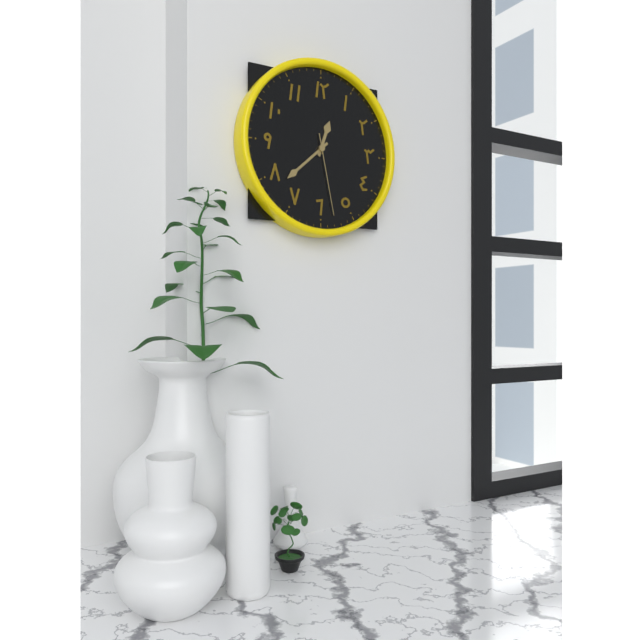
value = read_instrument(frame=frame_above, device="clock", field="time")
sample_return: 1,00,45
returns 12,38,28
